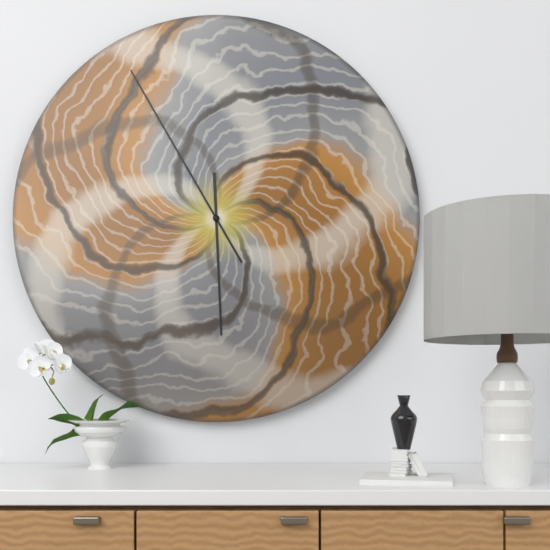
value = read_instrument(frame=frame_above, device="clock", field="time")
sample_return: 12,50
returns 5,55
